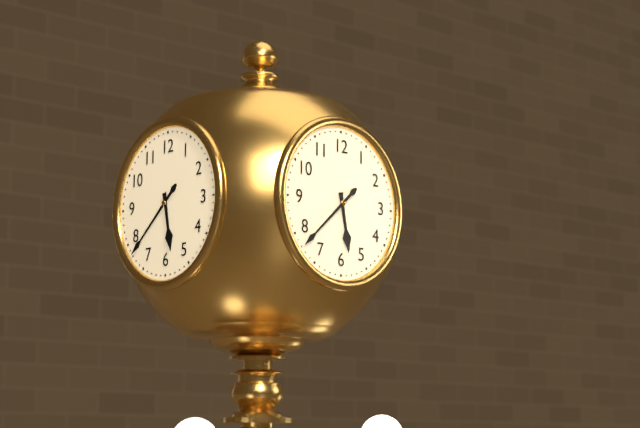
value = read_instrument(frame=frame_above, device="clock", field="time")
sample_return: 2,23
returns 5,38
